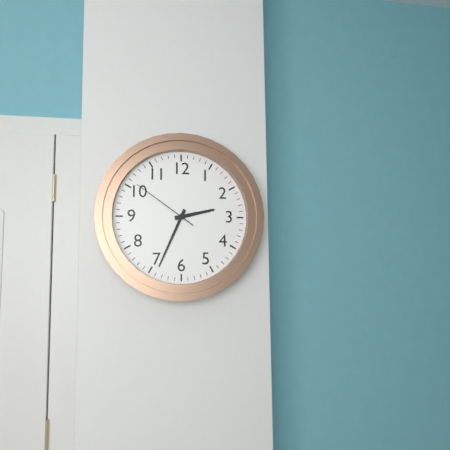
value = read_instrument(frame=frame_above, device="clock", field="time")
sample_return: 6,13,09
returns 2,34,51
